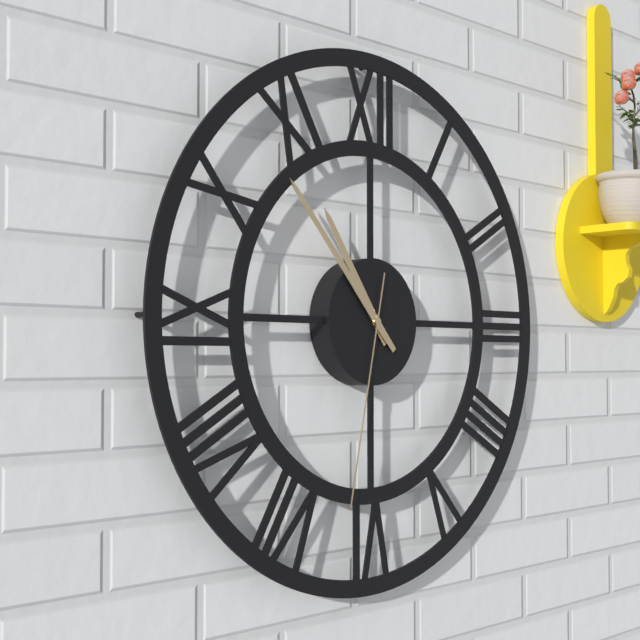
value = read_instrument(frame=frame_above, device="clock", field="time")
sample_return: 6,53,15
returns 10,53,32
